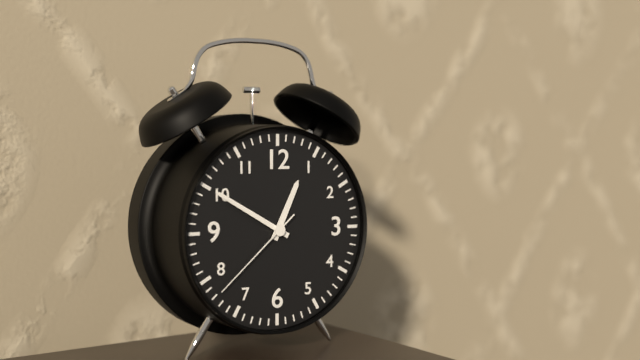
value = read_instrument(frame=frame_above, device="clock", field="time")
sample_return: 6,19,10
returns 12,50,38
